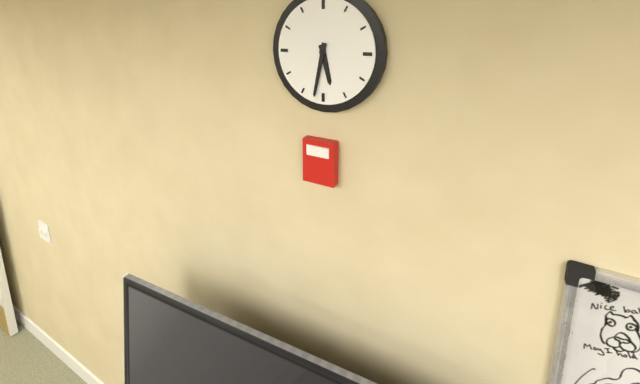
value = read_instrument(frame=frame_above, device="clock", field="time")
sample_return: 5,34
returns 5,32
